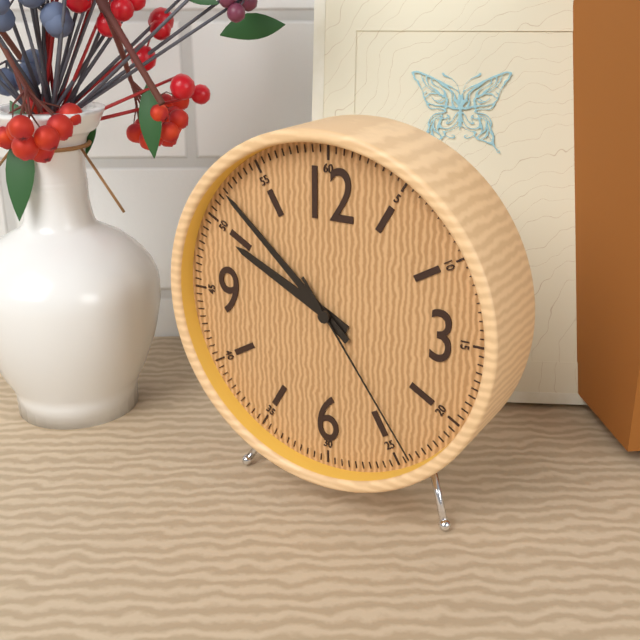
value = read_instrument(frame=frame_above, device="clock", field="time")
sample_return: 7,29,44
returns 9,52,24
